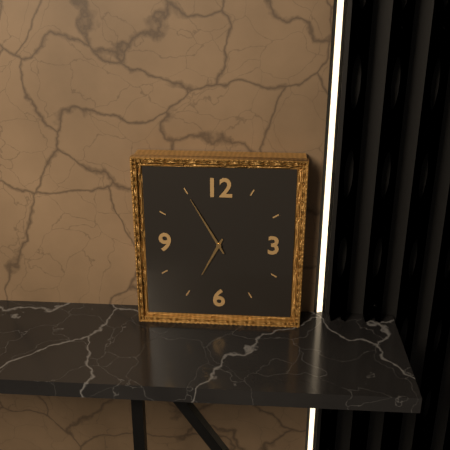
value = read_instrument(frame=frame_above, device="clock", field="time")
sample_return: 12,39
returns 6,55
